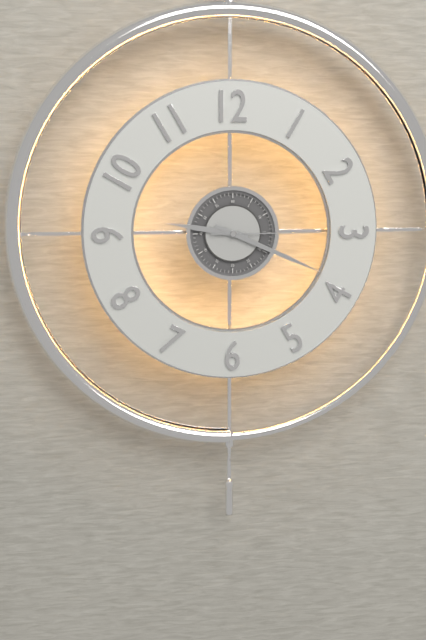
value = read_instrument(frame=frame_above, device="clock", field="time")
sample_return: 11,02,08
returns 9,19,15
